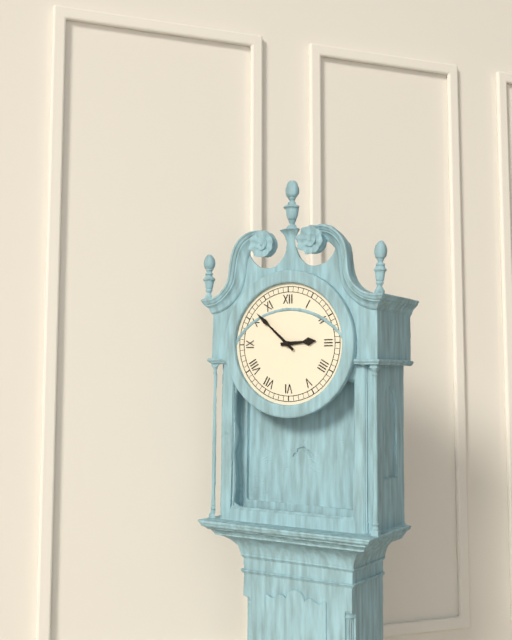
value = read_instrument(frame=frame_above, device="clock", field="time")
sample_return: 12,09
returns 2,52
